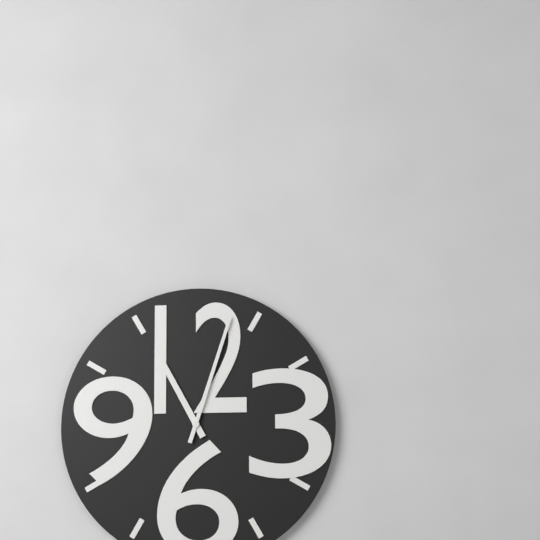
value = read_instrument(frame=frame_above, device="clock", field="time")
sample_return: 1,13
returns 11,03
